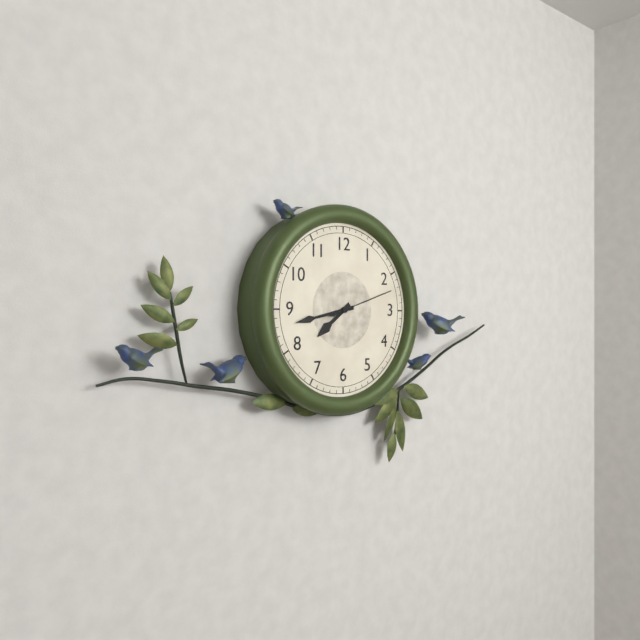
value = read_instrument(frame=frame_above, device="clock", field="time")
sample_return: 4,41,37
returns 7,43,12
